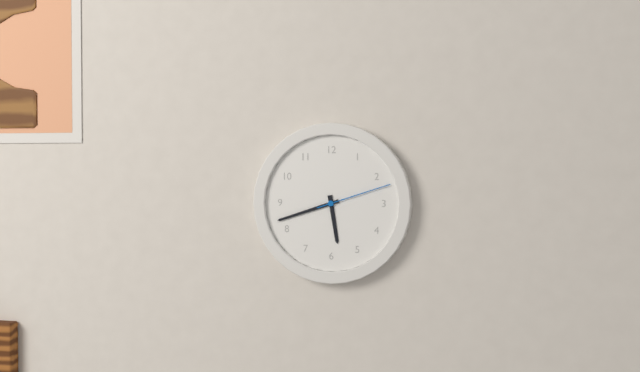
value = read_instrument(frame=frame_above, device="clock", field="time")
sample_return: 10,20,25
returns 5,42,12
